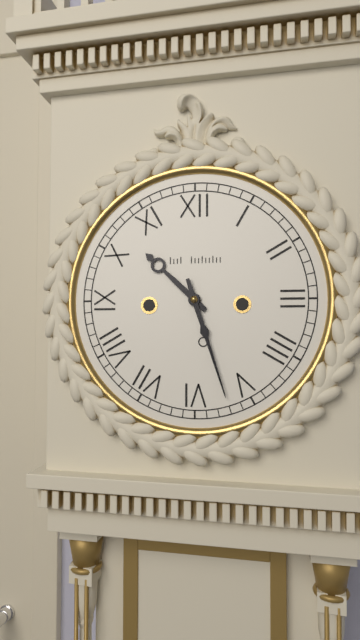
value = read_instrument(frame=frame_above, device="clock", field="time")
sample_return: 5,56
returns 10,27
